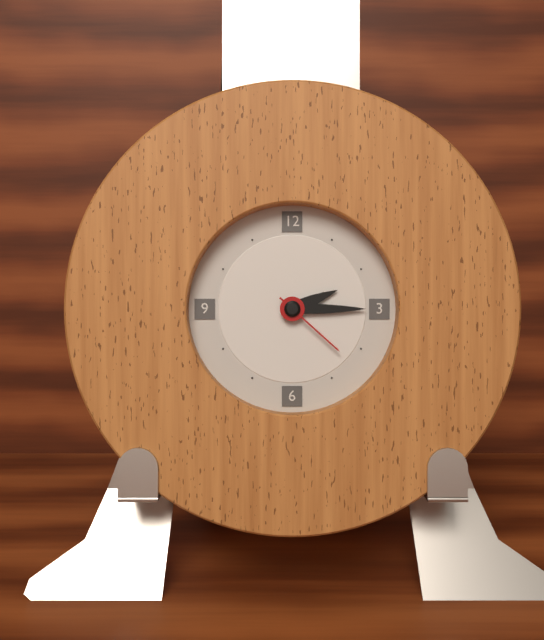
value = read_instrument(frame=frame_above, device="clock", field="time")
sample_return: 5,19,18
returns 2,15,22
